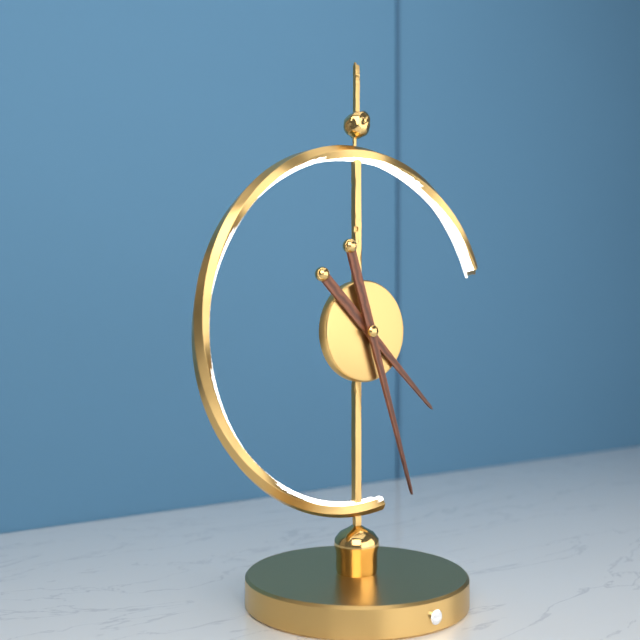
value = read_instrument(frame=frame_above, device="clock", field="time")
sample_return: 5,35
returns 4,27
